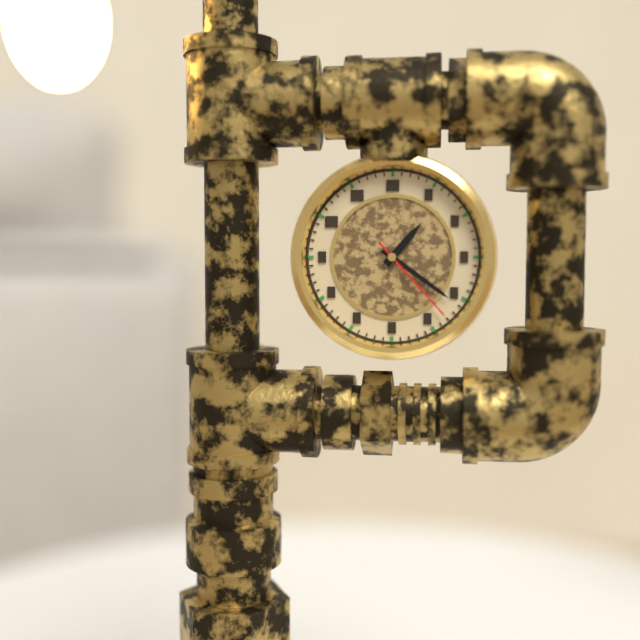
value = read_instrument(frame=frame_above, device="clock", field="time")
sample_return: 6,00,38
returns 1,21,23
